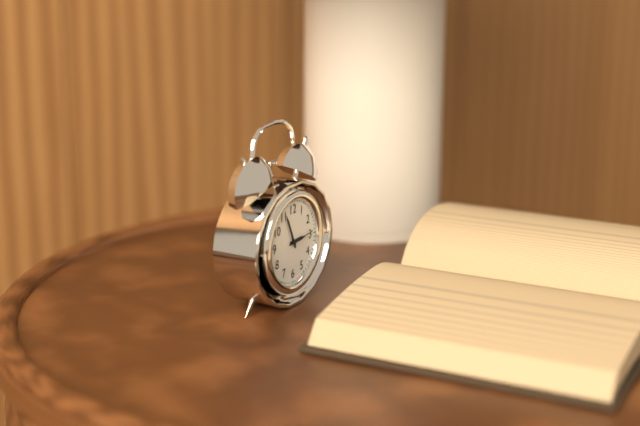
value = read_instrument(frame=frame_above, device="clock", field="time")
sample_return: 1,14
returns 2,56
